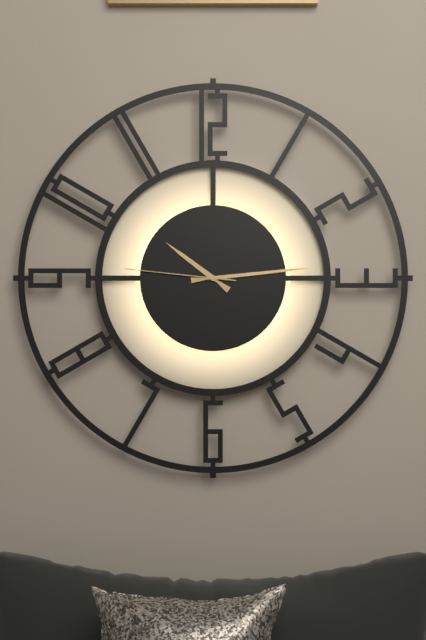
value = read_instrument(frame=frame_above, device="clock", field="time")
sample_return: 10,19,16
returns 10,14,46
